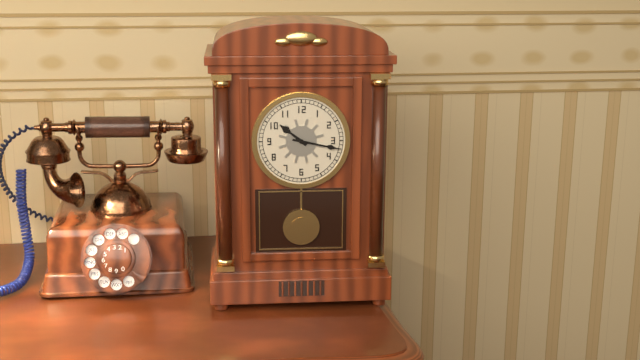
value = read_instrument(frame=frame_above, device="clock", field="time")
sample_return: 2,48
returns 10,17
